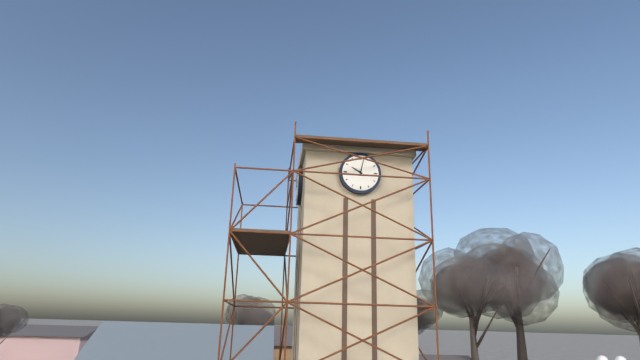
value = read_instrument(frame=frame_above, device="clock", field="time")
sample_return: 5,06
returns 10,02
